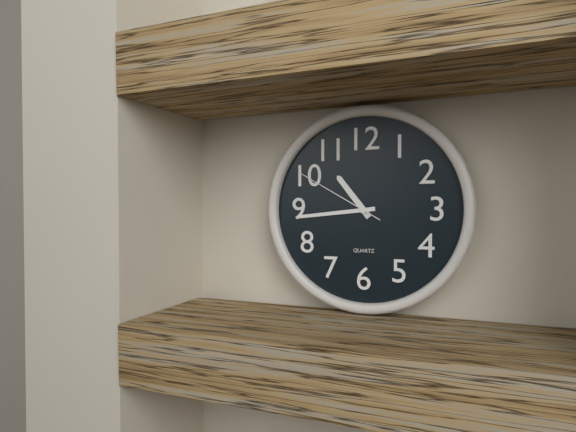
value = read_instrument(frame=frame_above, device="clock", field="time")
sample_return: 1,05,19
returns 10,44,50
